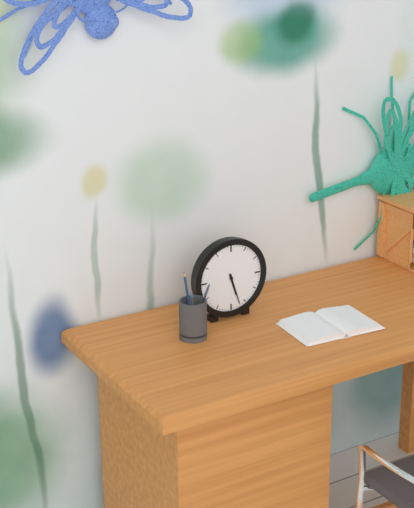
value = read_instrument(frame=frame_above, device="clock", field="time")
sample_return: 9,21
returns 5,27
